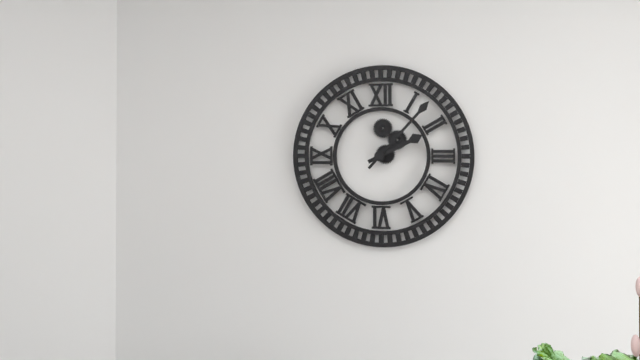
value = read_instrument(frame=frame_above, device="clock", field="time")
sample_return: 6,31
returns 2,07
